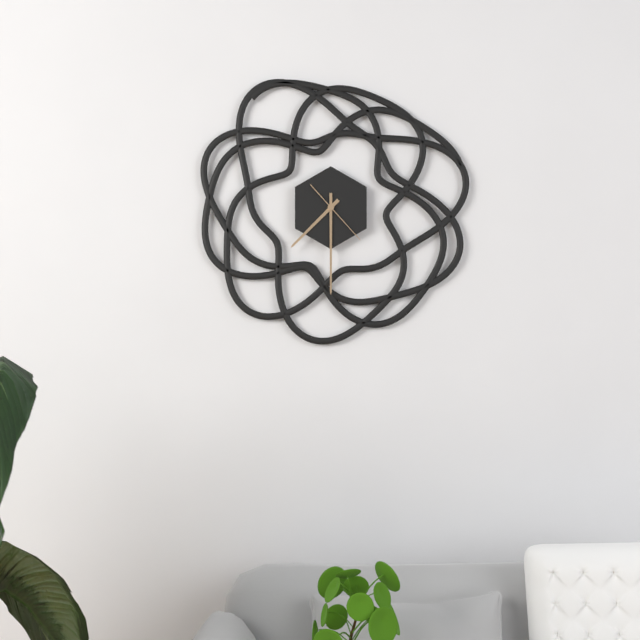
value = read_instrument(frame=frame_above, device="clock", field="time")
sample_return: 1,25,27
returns 7,30,23
